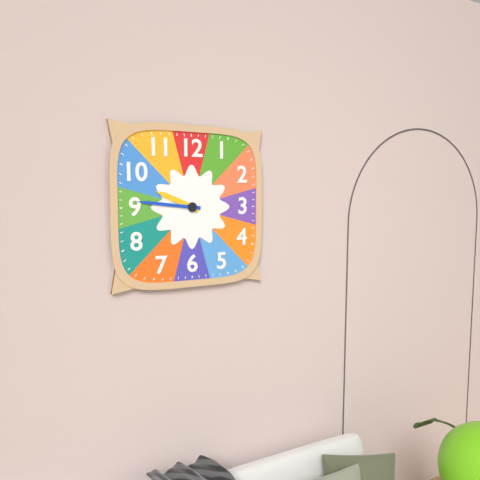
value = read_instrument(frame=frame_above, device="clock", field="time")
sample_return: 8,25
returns 9,46
